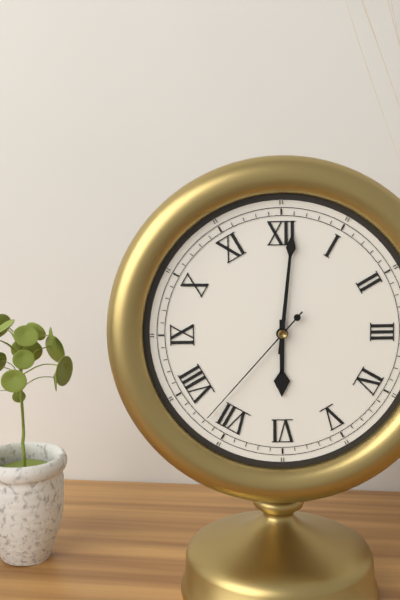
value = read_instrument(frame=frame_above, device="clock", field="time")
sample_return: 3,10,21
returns 6,01,37
